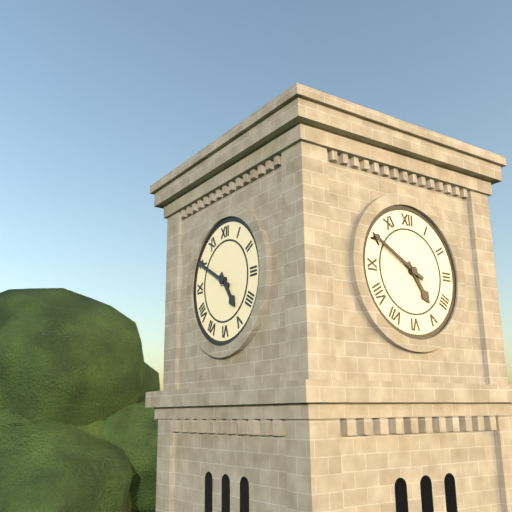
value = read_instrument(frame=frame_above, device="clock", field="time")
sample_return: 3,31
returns 4,50
